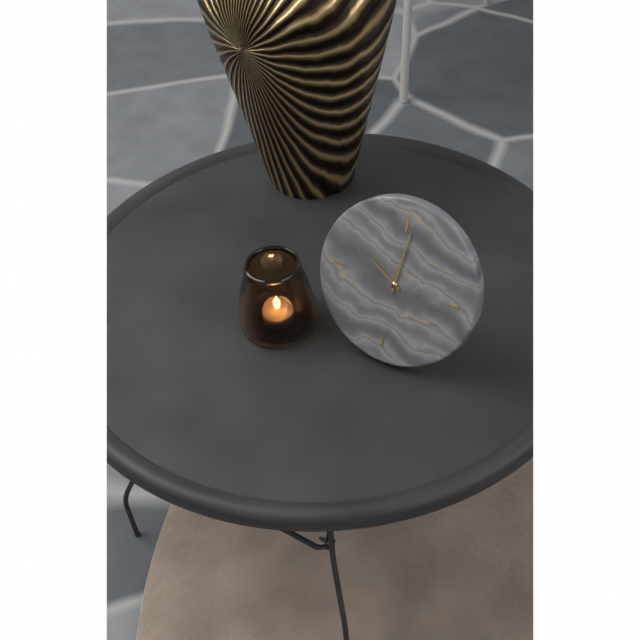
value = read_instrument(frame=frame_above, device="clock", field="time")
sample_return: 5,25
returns 10,01
